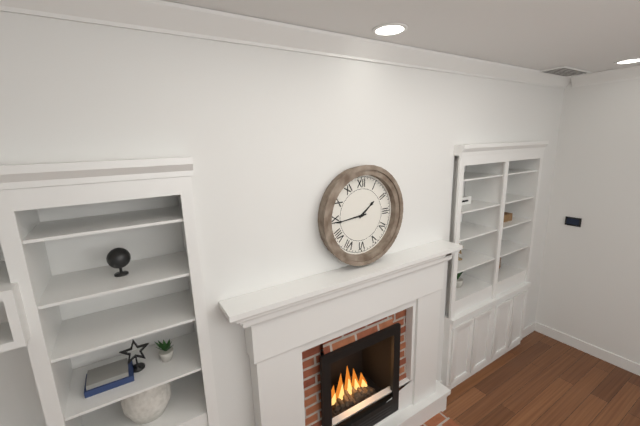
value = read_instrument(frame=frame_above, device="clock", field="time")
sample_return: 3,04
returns 1,44
